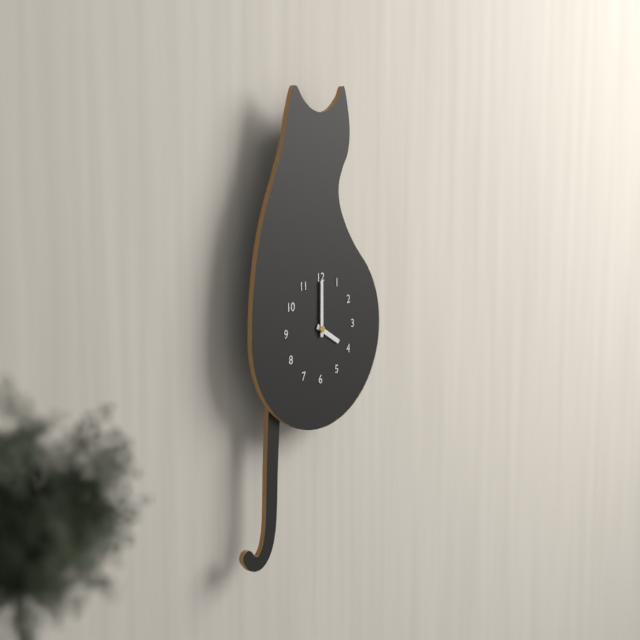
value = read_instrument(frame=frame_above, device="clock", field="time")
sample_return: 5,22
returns 4,00
